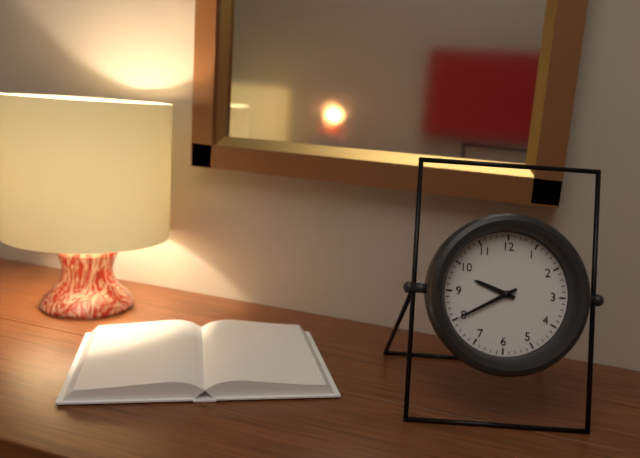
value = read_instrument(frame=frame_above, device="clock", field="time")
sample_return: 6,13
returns 9,40
